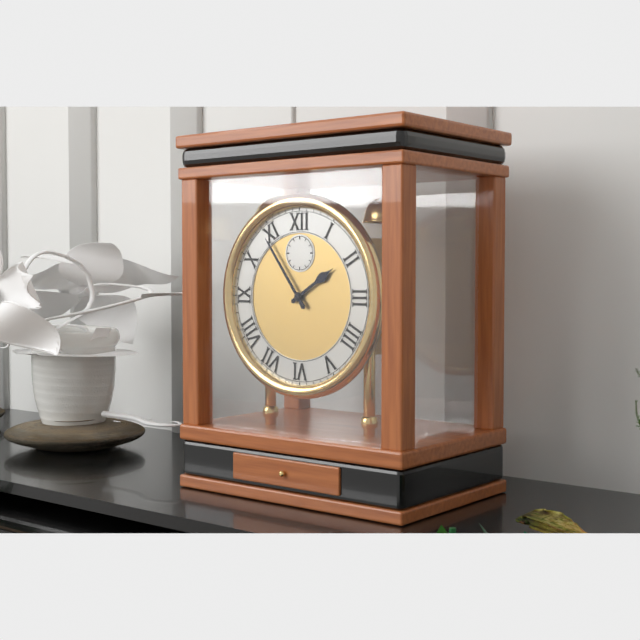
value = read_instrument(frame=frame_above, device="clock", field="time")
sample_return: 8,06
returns 1,54
